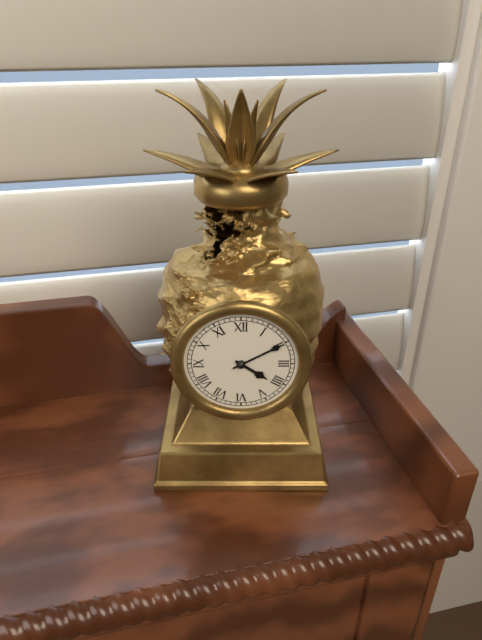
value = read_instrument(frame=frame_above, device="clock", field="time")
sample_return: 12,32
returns 4,10
